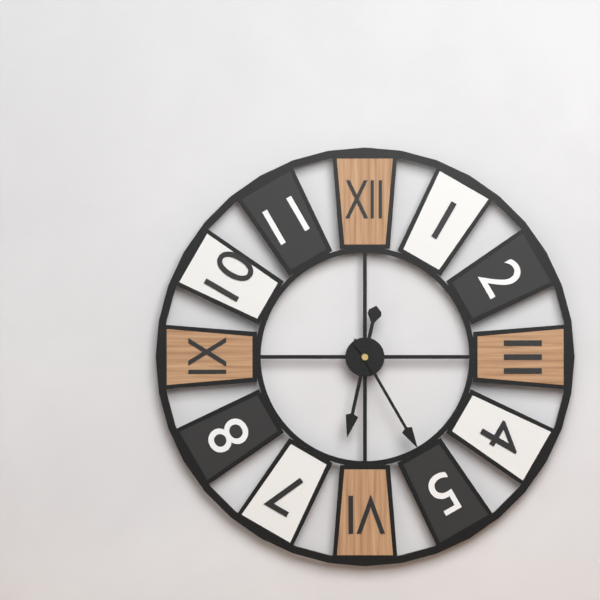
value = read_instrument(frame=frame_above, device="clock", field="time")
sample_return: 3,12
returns 6,25
